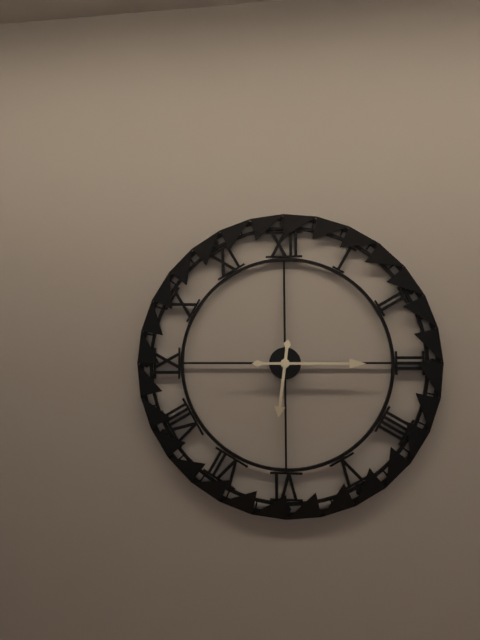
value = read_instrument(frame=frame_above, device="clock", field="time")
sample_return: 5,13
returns 6,15
